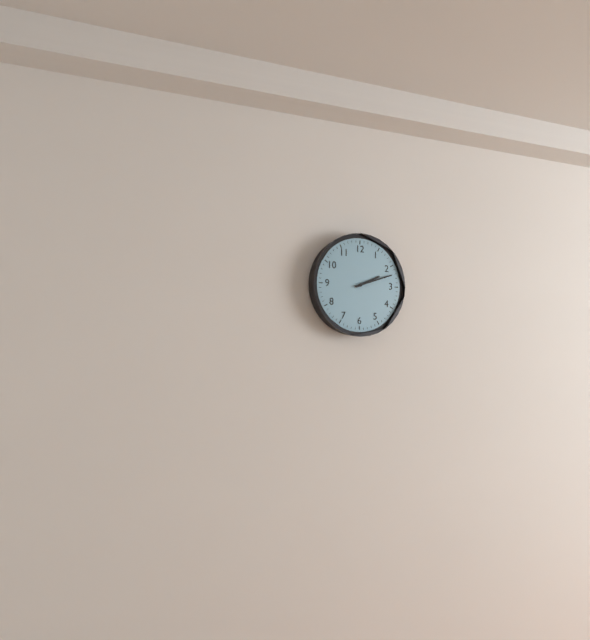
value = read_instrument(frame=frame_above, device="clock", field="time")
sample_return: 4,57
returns 2,12
